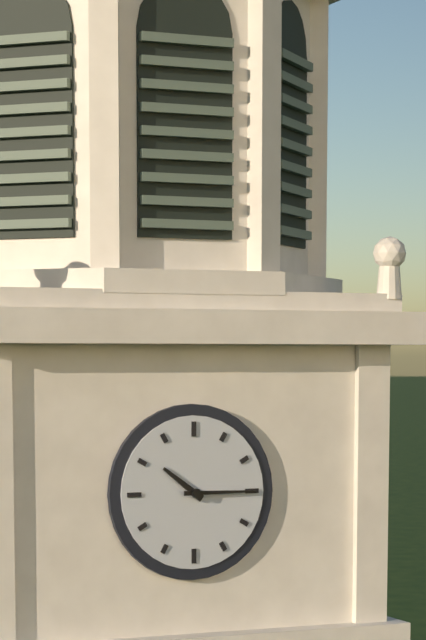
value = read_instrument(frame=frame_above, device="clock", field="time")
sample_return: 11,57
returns 10,15
